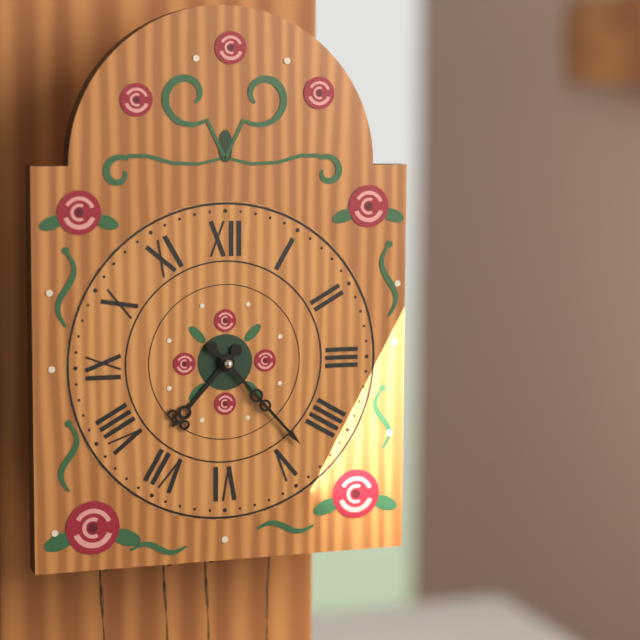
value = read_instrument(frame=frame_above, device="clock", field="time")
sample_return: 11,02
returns 7,23
